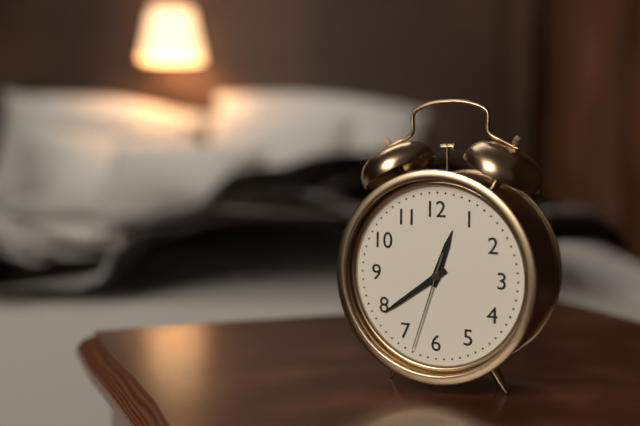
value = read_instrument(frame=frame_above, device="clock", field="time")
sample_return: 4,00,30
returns 12,39,33
